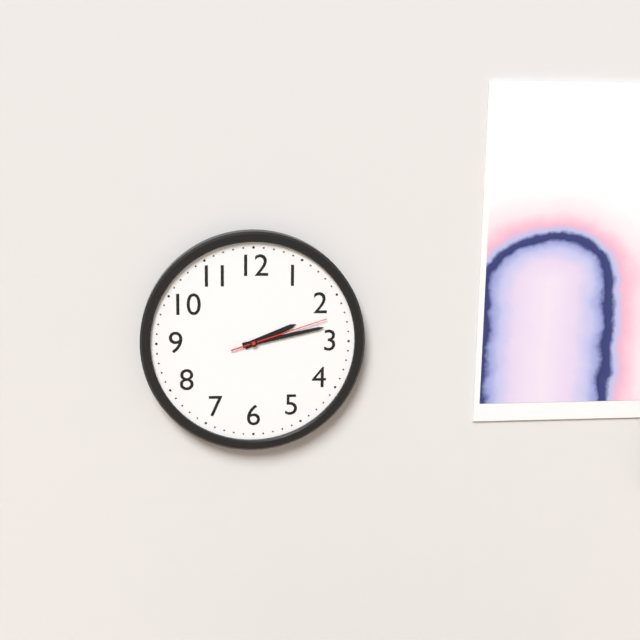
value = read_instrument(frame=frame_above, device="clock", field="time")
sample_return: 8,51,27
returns 2,13,12
